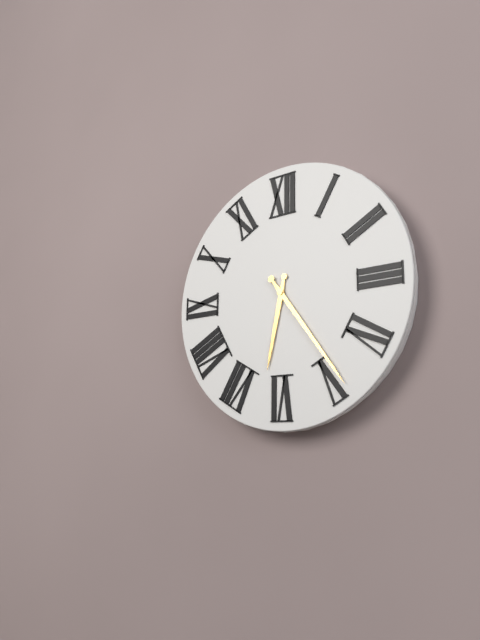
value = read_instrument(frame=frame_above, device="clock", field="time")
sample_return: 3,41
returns 6,24
